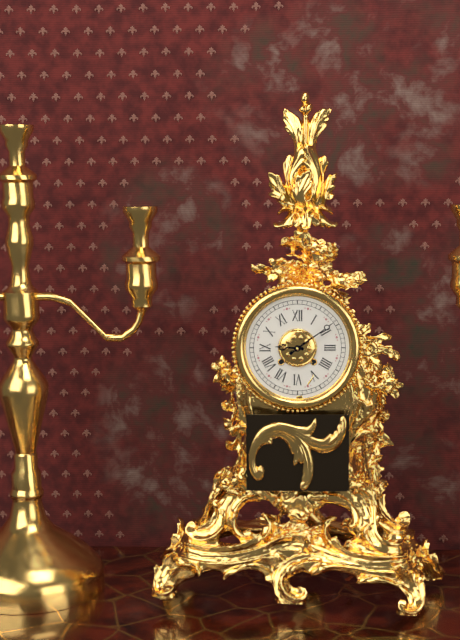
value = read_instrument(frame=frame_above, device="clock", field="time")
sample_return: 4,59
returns 9,09
